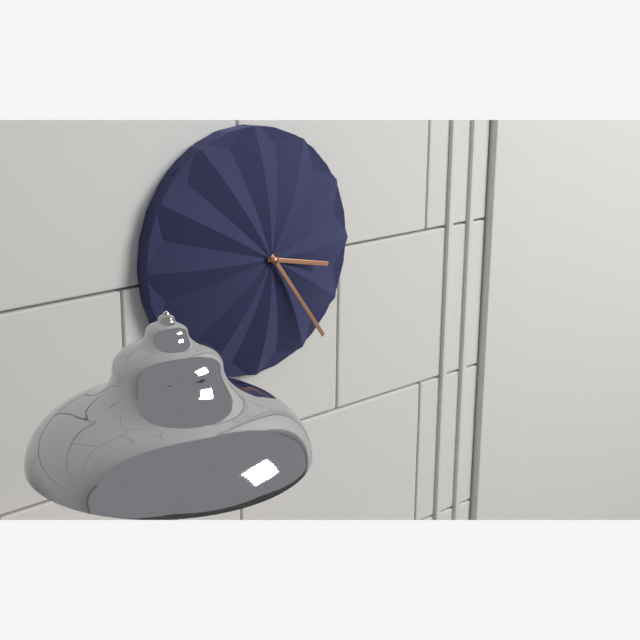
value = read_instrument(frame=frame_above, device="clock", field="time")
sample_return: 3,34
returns 3,24
